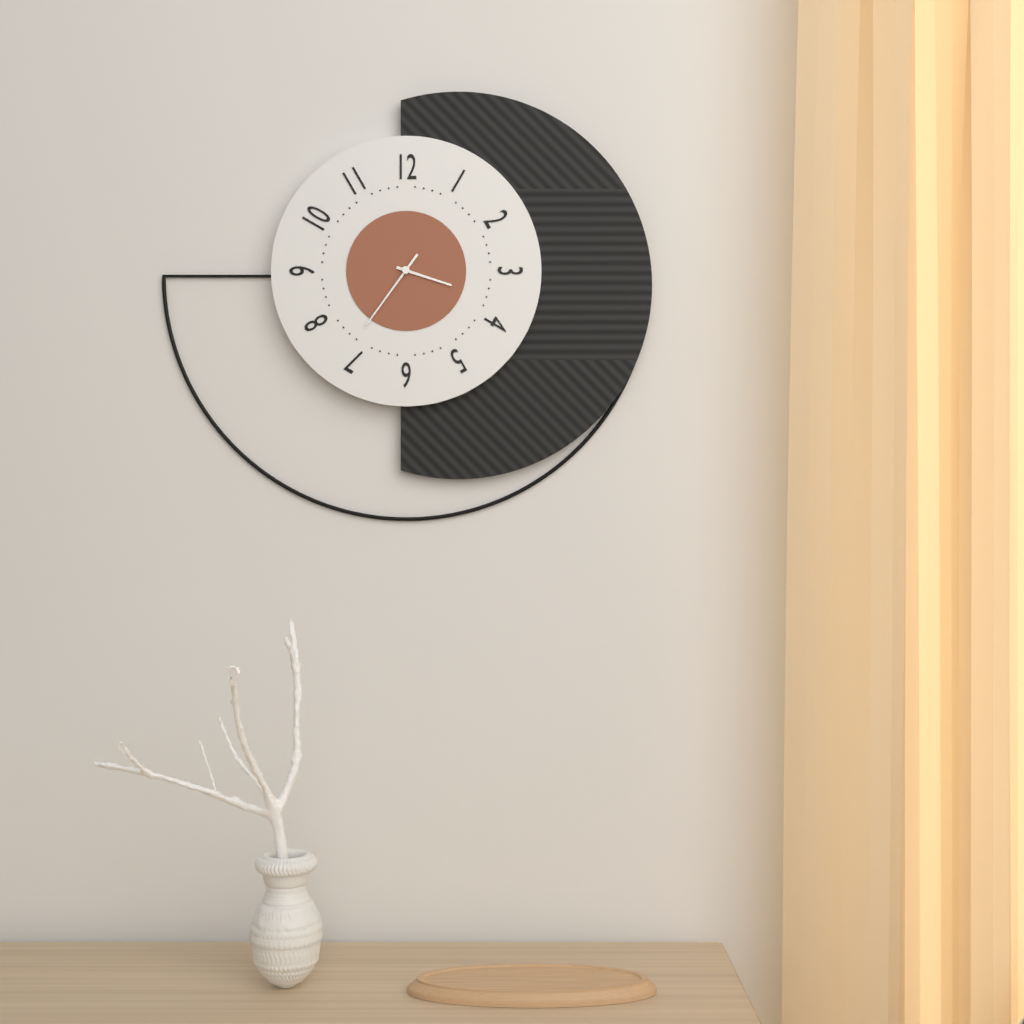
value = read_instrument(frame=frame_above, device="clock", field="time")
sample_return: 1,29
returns 3,36
